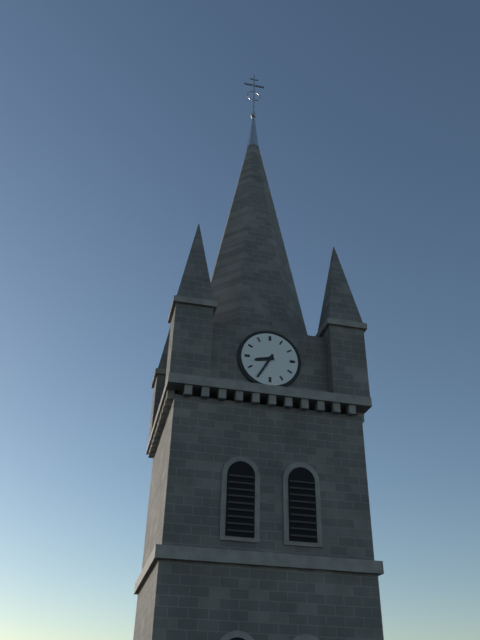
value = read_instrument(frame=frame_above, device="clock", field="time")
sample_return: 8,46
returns 8,35
